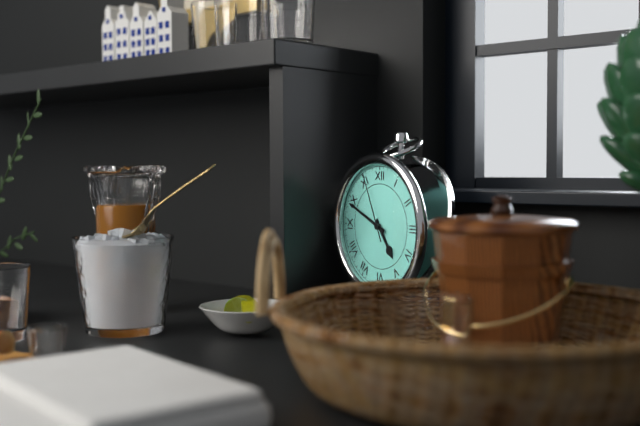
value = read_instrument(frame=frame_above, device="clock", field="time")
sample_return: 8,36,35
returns 4,49,56
